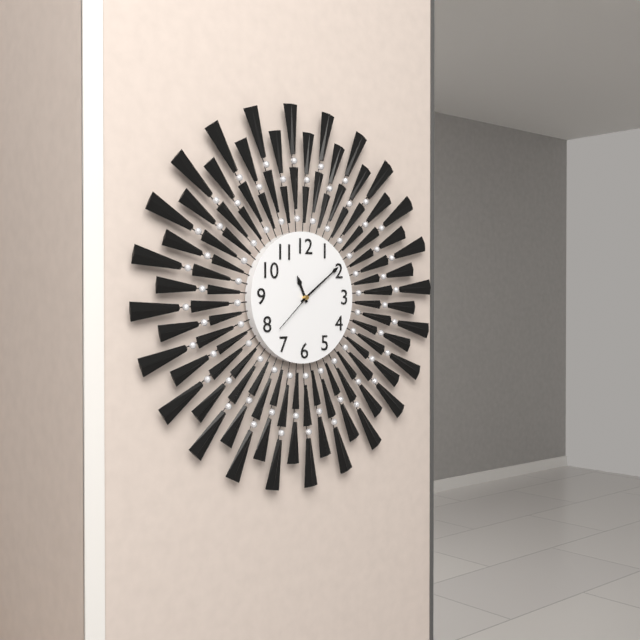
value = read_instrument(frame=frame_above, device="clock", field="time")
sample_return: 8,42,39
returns 11,09,38
